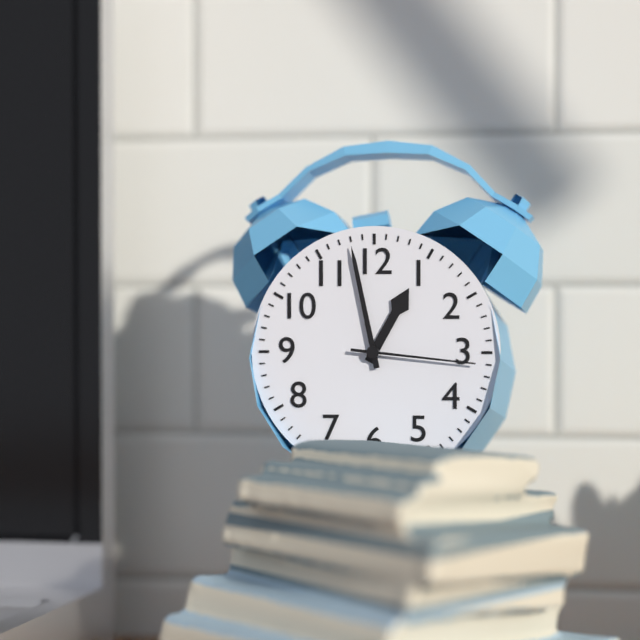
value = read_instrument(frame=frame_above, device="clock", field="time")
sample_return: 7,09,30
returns 12,58,16
